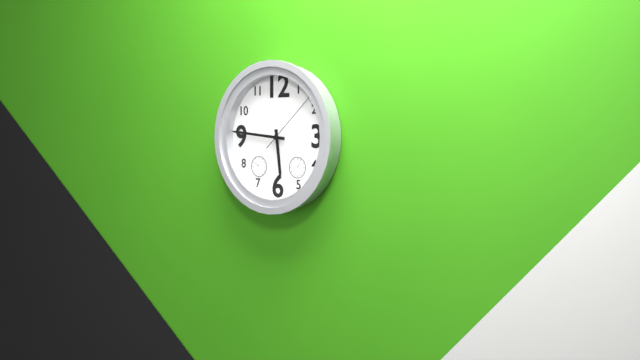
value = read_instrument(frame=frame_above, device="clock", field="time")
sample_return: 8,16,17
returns 5,46,08
